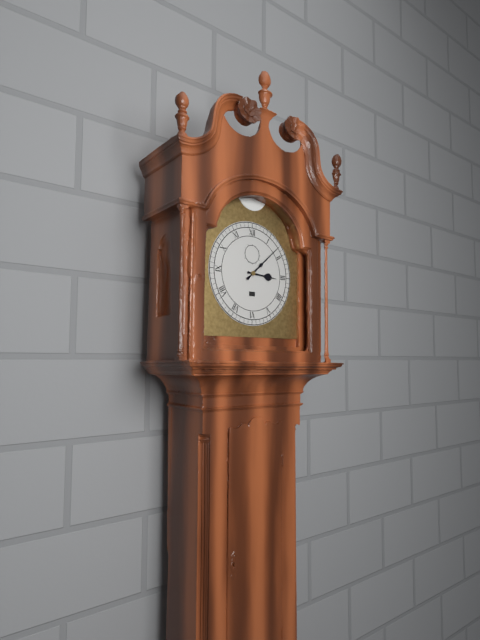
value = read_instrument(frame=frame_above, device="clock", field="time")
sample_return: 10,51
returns 3,08
